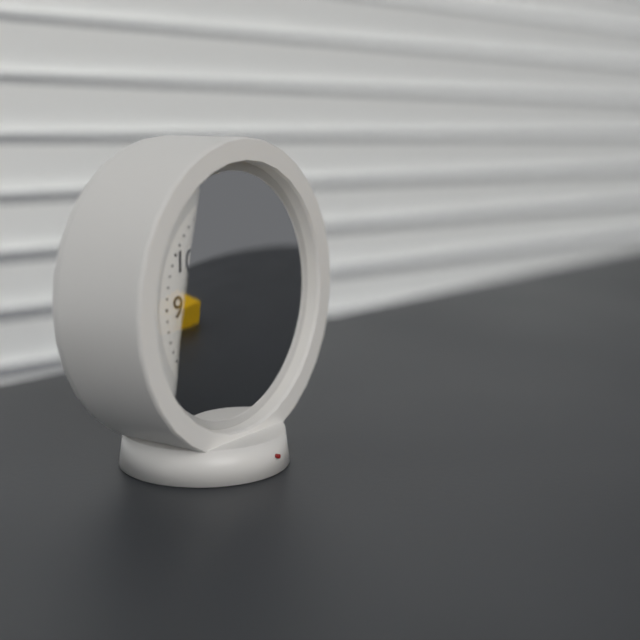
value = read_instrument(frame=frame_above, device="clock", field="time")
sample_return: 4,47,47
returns 6,58,34
